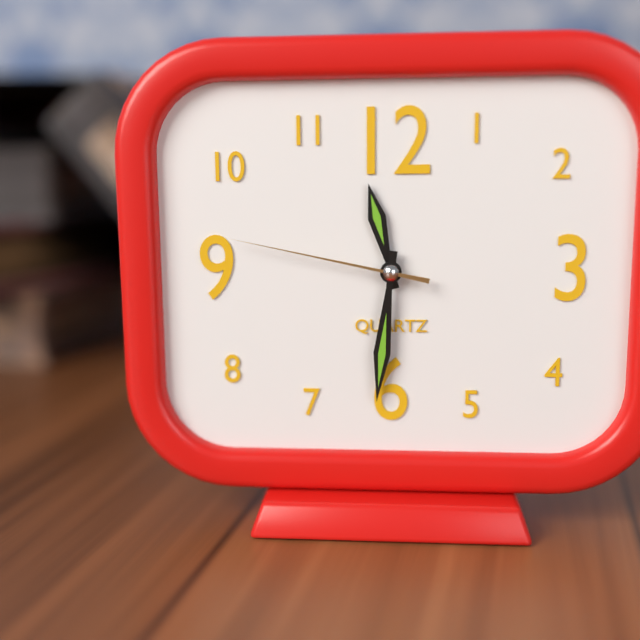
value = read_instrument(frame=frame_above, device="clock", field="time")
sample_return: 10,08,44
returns 11,31,47
